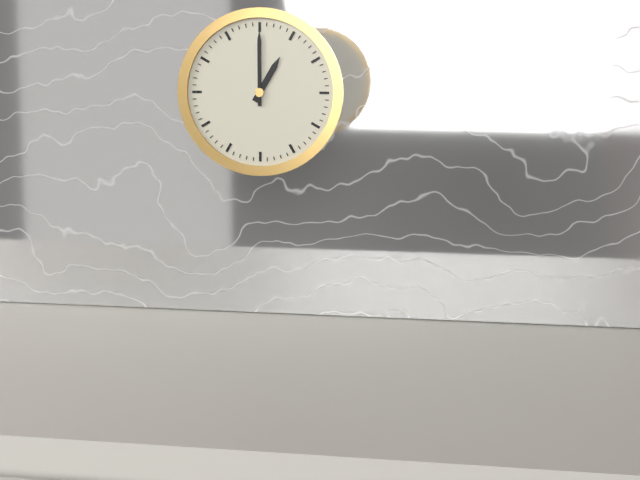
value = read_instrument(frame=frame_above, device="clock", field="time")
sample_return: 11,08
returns 1,00
